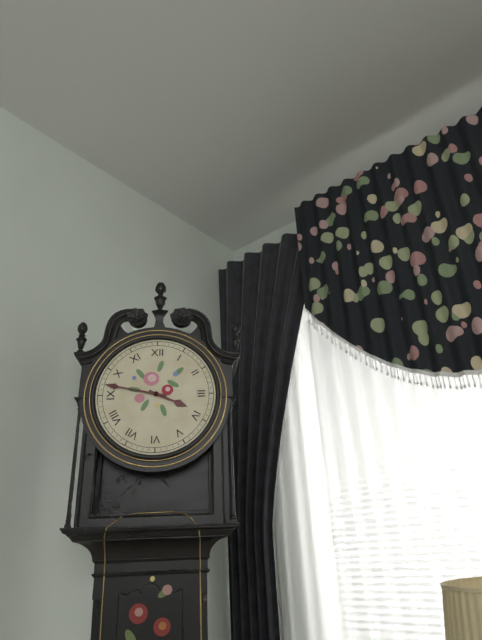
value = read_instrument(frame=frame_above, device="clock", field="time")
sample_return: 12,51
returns 3,47
